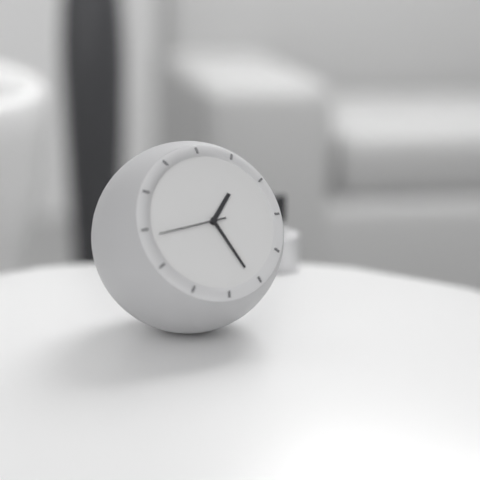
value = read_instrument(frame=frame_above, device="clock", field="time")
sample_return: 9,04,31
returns 1,26,44
